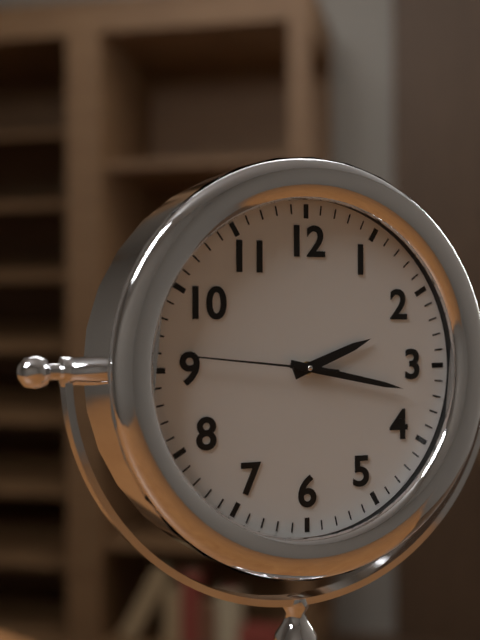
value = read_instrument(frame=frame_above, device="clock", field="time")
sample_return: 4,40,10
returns 2,17,46
